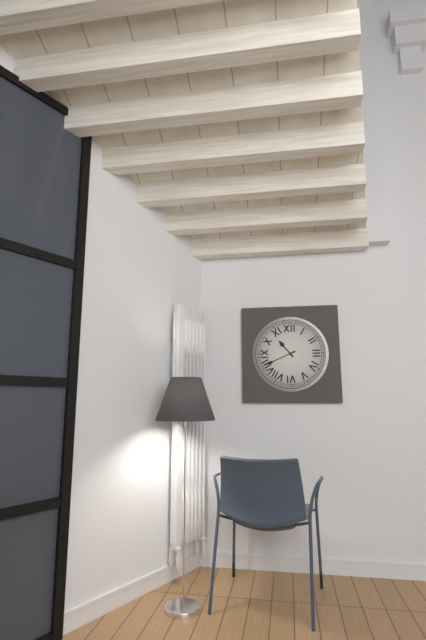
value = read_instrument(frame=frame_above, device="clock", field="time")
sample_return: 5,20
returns 10,41
